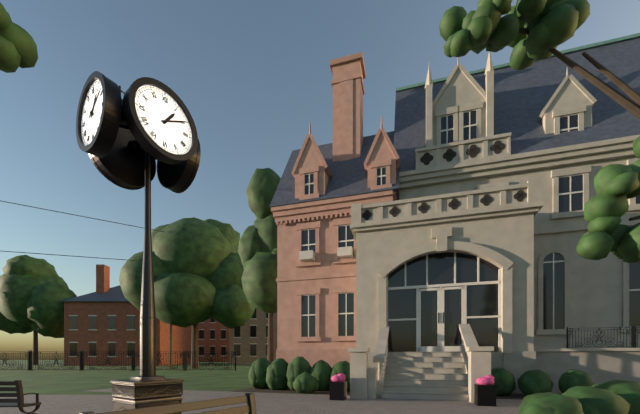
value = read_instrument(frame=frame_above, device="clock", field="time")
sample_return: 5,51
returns 1,10
